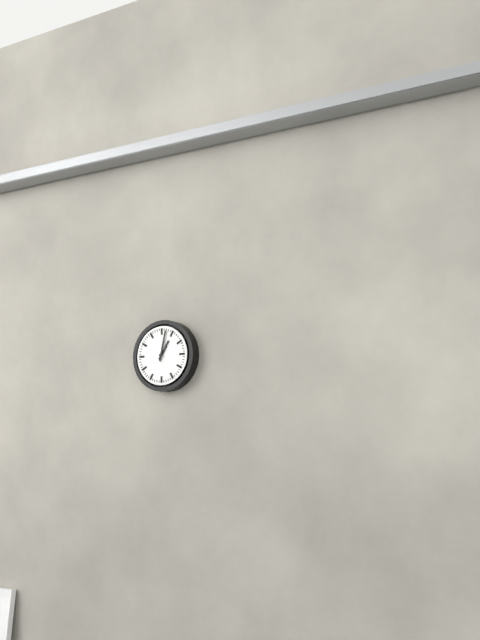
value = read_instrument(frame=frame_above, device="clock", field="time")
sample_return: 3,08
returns 1,02
